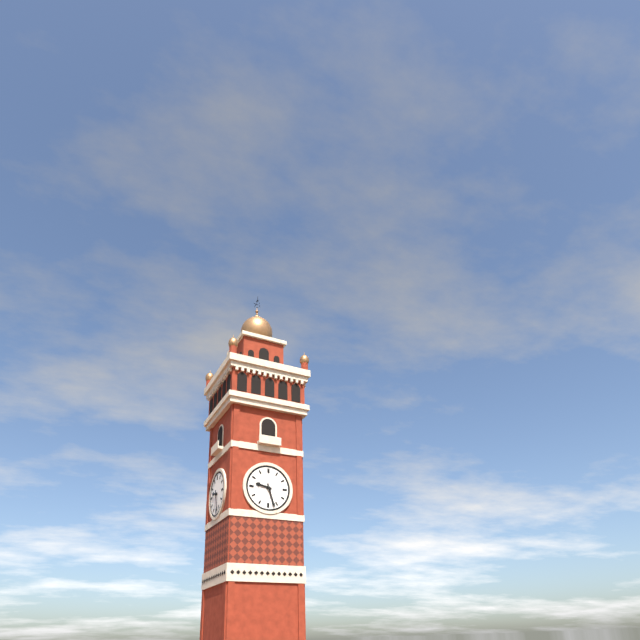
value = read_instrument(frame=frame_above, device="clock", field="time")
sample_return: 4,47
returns 9,27
